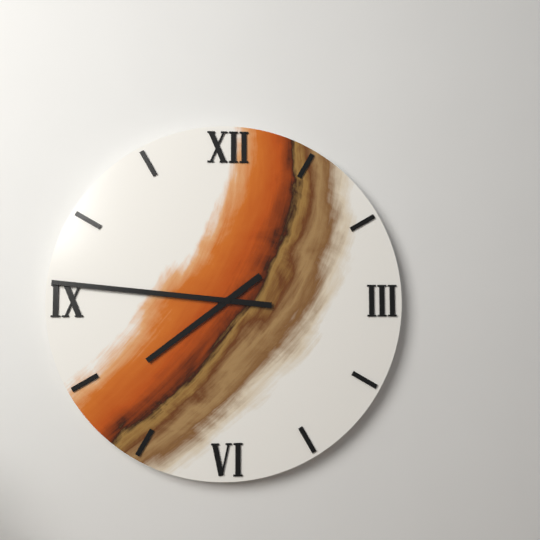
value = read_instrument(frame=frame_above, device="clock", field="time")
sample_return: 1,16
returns 7,46
